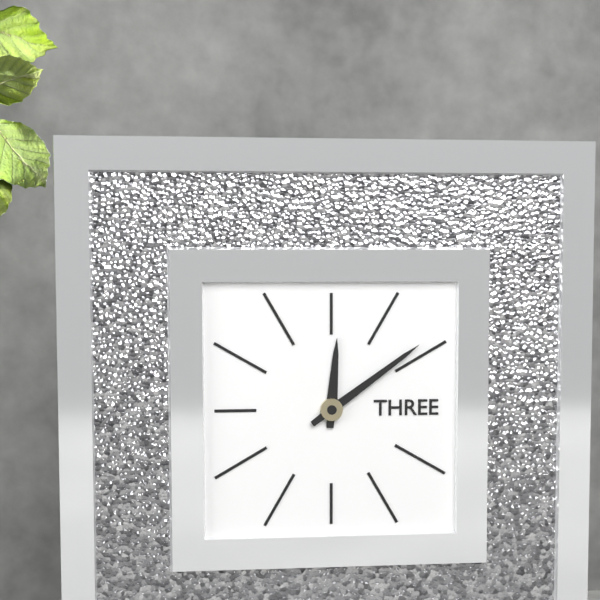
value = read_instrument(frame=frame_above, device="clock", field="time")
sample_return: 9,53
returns 12,09
